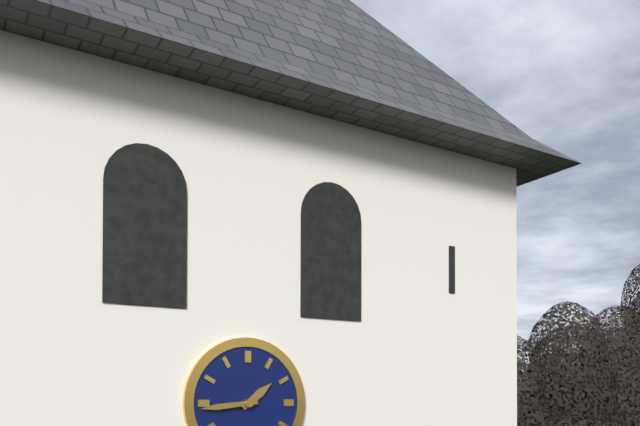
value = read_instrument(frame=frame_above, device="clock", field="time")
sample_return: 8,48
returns 1,44
